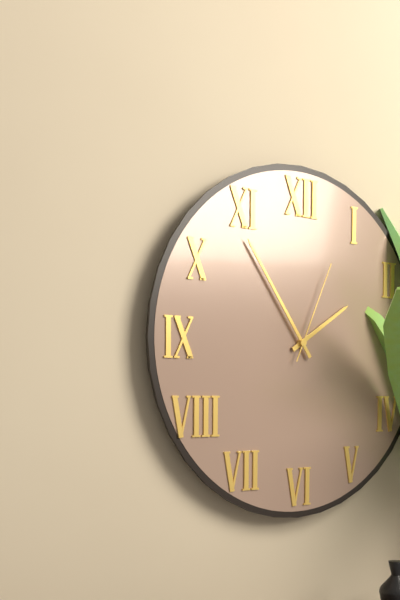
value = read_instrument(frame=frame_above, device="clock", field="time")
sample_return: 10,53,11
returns 1,54,04
